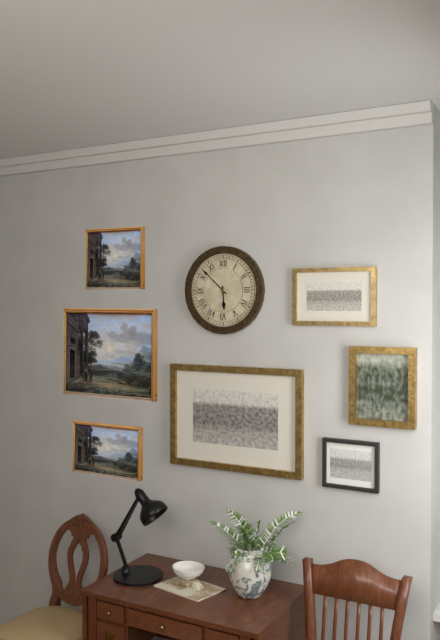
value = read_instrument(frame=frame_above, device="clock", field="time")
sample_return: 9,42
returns 5,52
